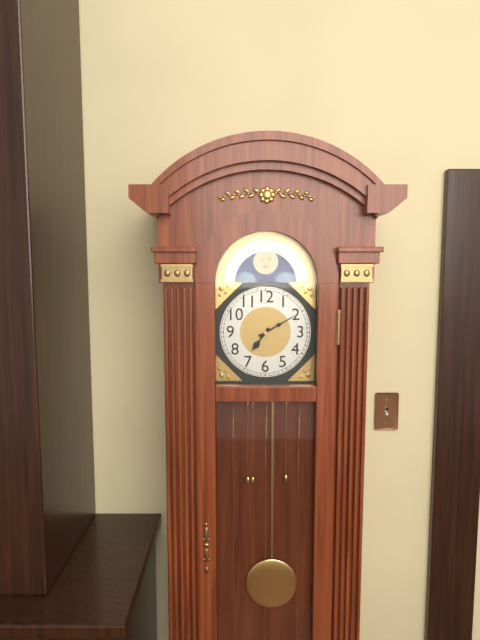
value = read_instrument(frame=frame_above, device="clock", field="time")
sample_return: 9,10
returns 7,10
